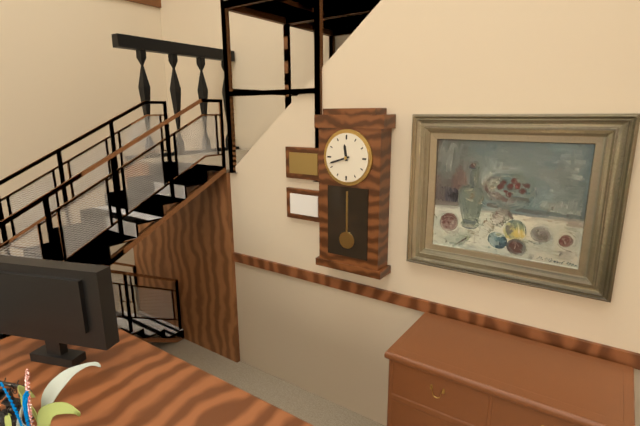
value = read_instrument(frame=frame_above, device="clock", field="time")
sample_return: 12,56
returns 11,42
